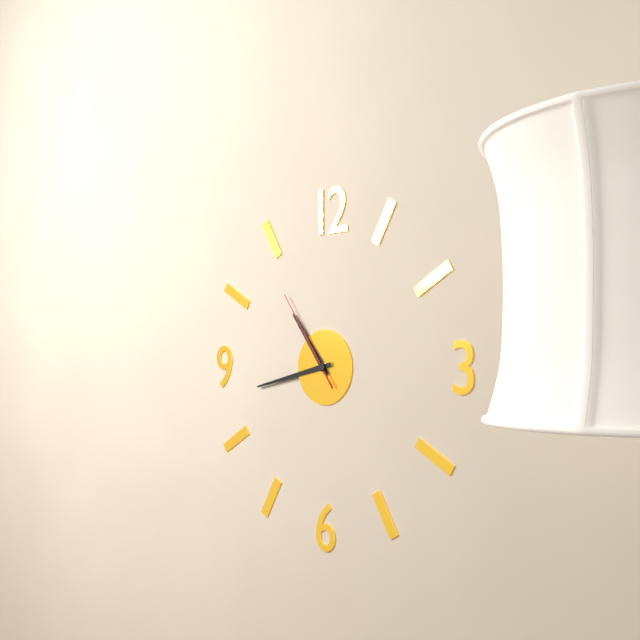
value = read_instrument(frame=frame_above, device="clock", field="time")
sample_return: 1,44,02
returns 10,43,54
